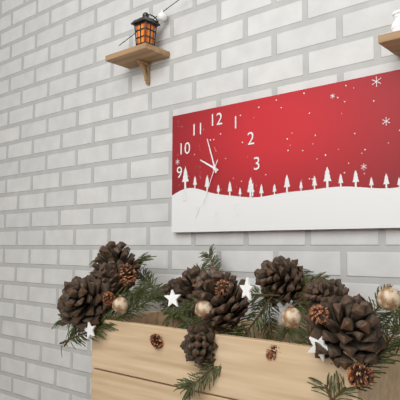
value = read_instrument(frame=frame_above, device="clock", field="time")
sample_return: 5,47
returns 9,57
